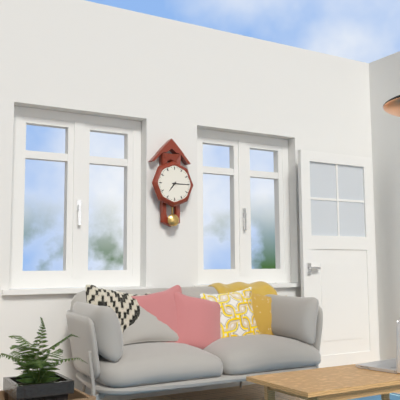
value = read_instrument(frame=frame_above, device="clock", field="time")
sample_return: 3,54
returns 7,15
